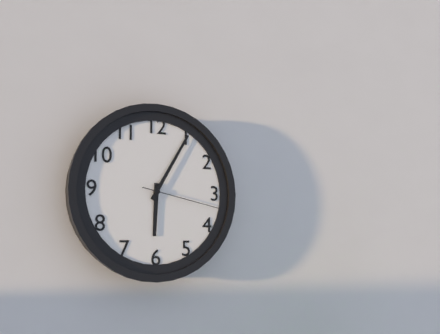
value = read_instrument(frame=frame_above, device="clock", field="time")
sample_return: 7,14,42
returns 6,05,17
